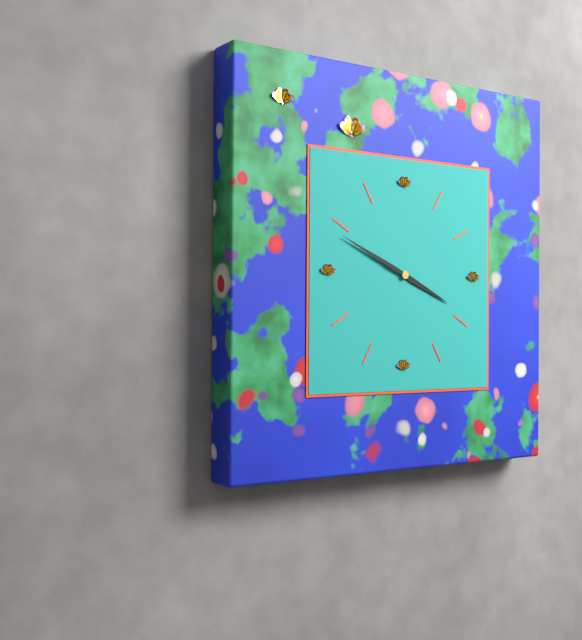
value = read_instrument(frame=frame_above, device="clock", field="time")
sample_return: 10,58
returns 3,49
